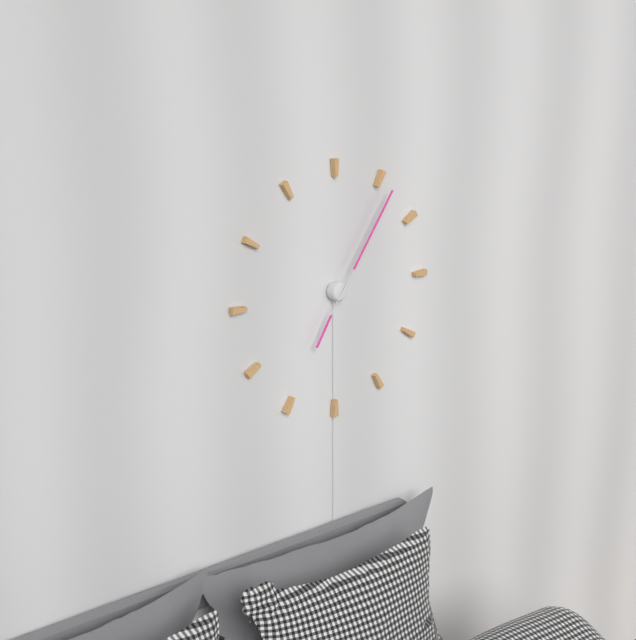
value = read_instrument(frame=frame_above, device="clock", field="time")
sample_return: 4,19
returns 7,06
